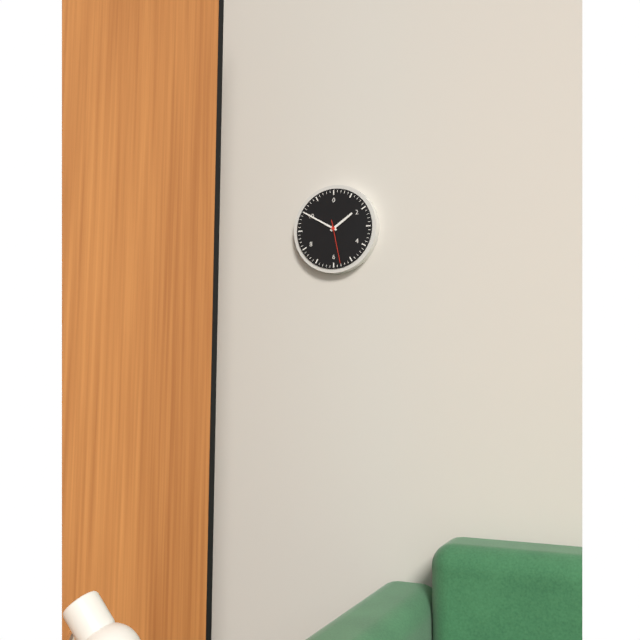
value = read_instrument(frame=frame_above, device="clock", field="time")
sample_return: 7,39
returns 1,50
